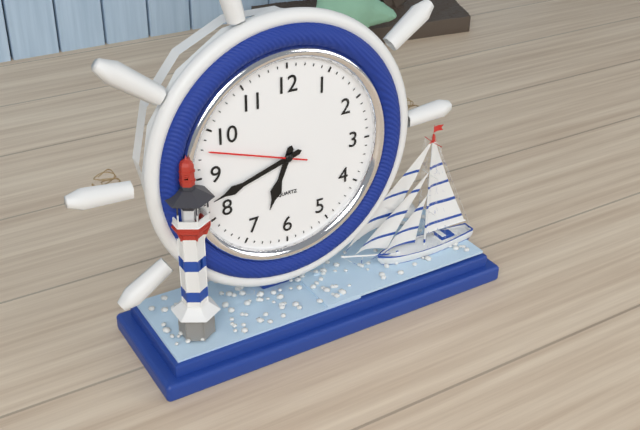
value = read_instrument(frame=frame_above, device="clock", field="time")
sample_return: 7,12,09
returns 6,42,48
